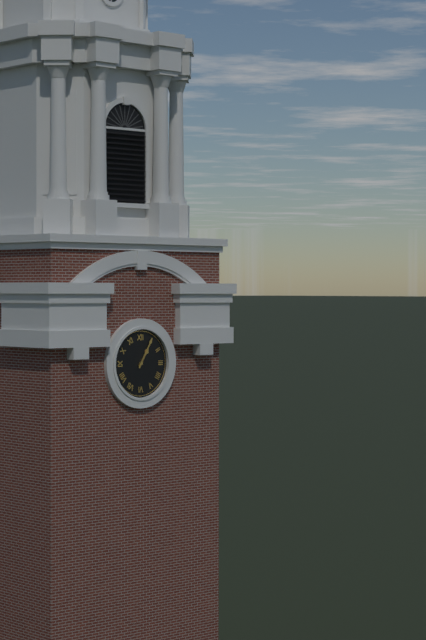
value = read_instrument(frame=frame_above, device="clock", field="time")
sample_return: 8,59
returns 1,05
